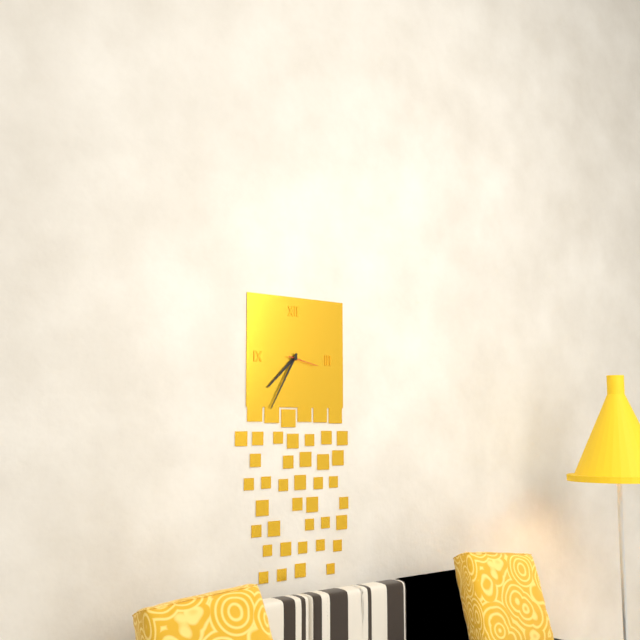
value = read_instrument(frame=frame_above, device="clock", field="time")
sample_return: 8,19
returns 7,35
